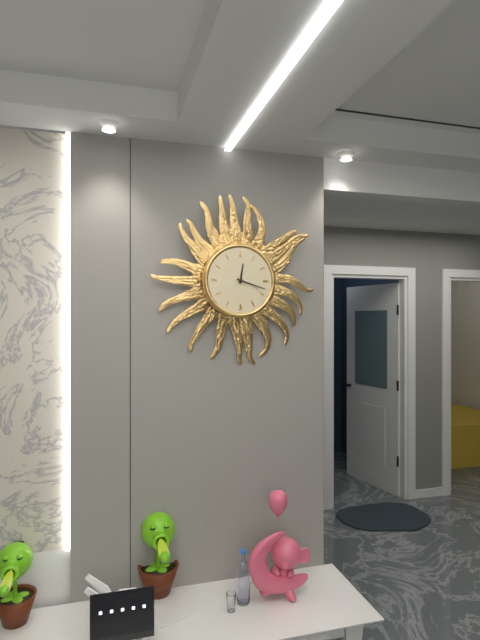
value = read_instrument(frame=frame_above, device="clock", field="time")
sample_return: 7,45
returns 12,18
